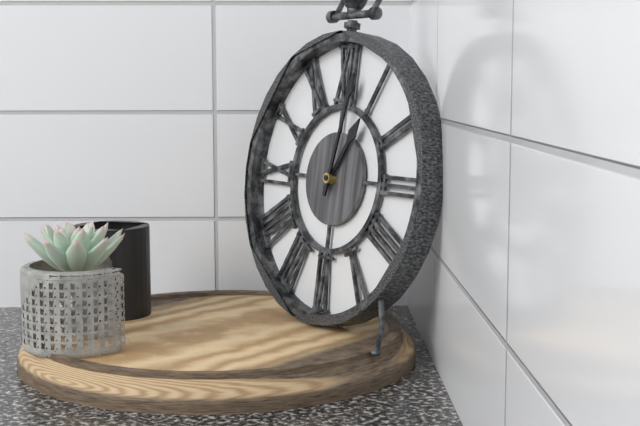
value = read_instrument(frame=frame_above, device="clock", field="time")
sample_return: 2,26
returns 1,02
